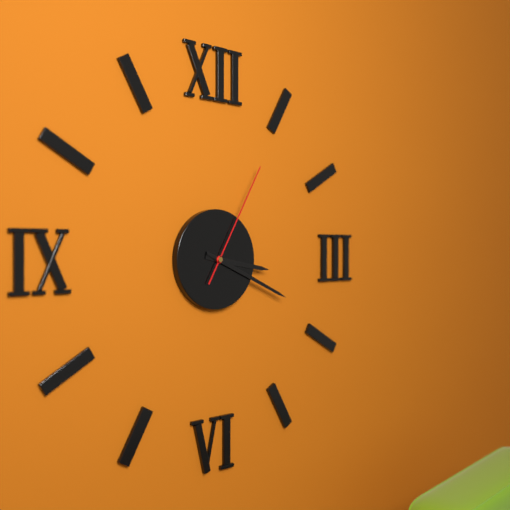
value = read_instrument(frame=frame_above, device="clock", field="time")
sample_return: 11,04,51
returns 3,19,05
